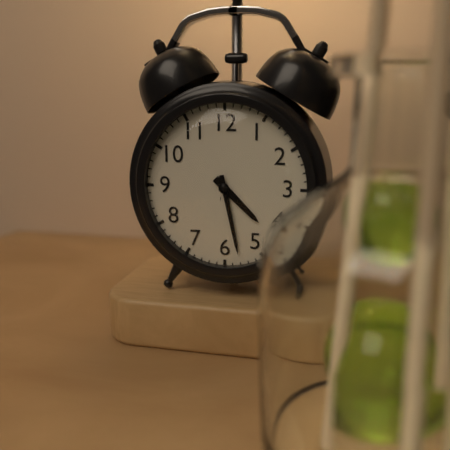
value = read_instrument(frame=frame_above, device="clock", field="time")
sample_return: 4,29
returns 4,28
